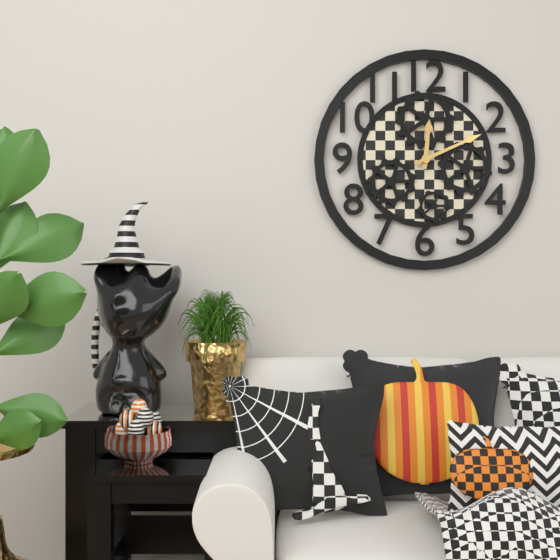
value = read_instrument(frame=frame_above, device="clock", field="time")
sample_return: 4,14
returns 12,11
